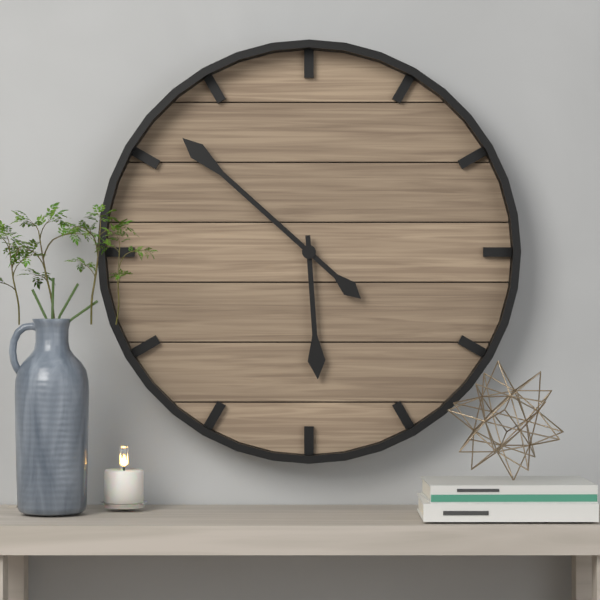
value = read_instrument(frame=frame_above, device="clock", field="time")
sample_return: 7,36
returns 5,52
